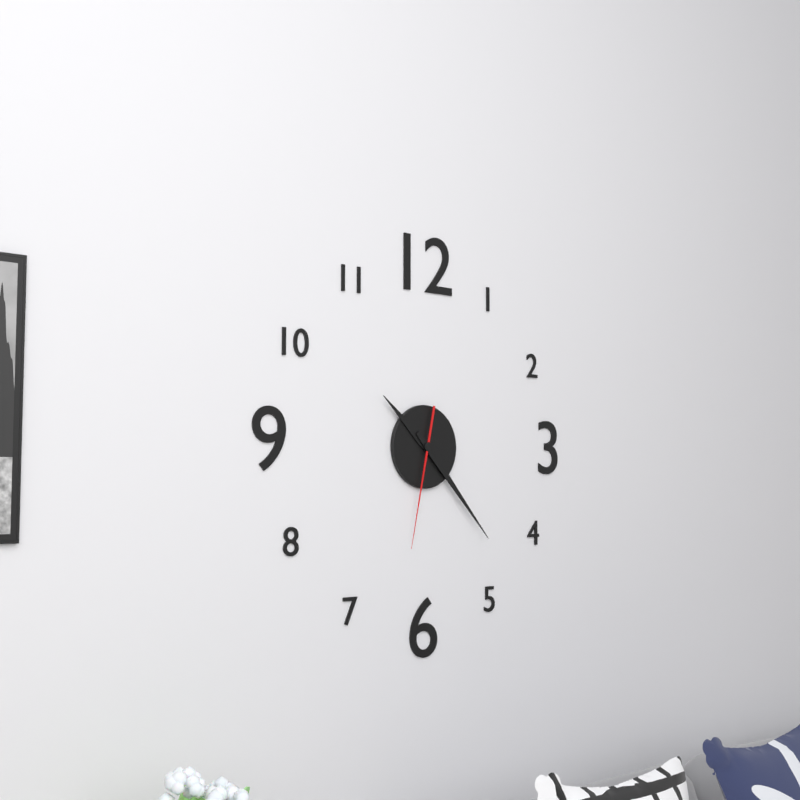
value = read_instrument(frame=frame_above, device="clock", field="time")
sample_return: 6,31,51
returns 10,23,32
